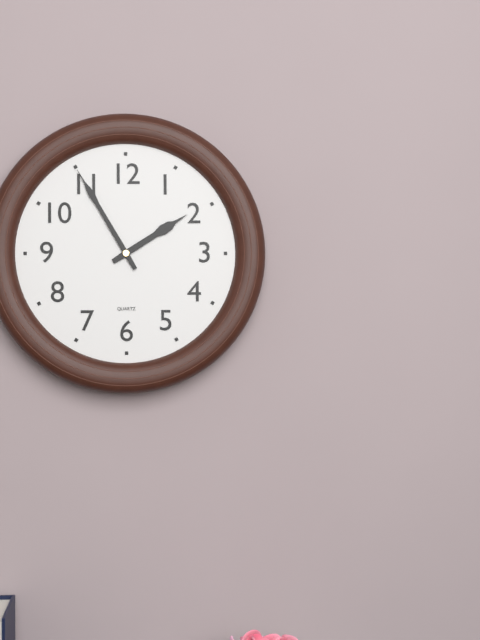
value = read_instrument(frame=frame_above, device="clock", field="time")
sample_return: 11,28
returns 1,55
